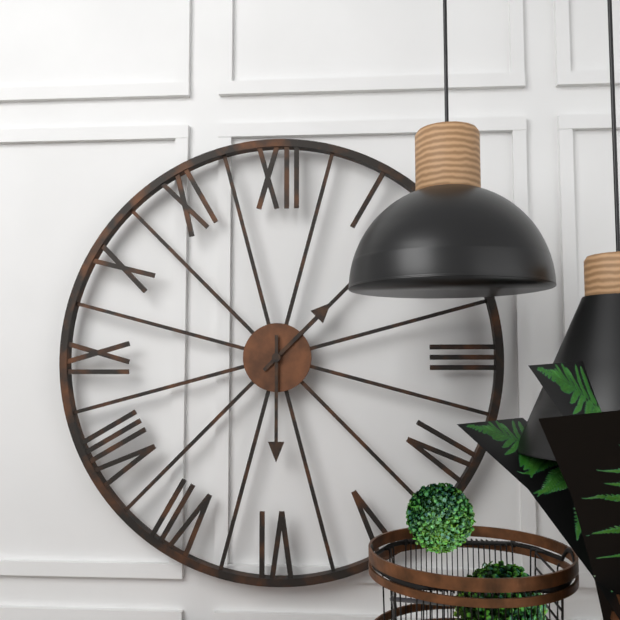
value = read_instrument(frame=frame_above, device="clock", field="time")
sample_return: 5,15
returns 1,30
